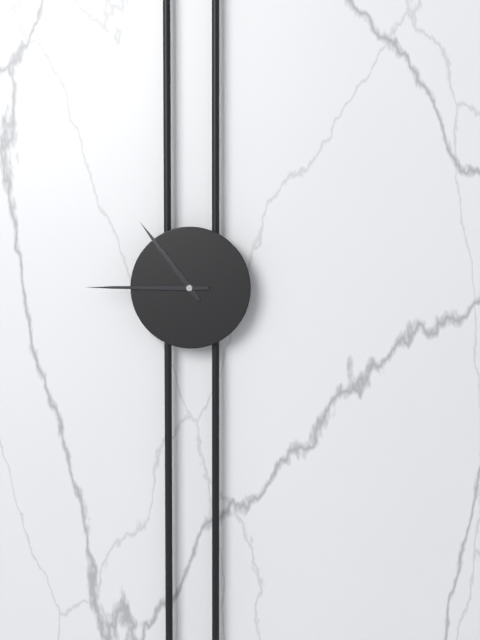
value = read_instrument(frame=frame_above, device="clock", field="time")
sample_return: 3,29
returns 10,45
